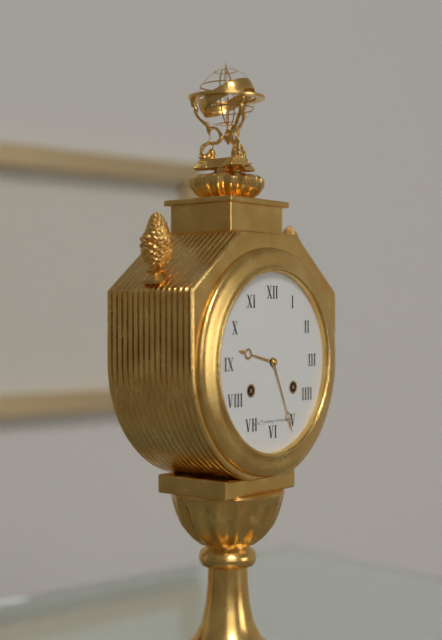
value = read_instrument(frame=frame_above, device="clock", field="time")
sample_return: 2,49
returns 9,26
